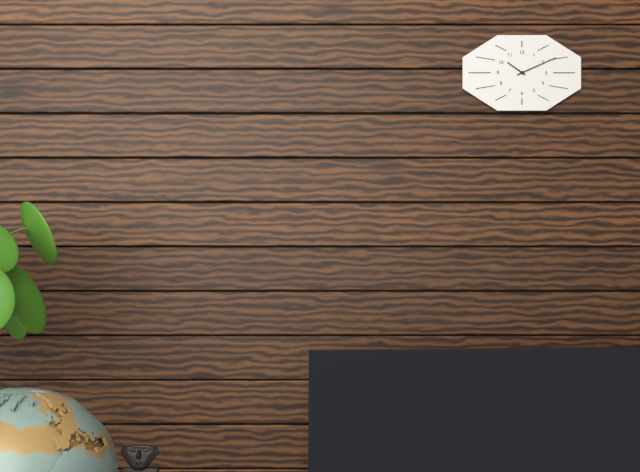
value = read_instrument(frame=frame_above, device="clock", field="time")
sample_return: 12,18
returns 10,11
